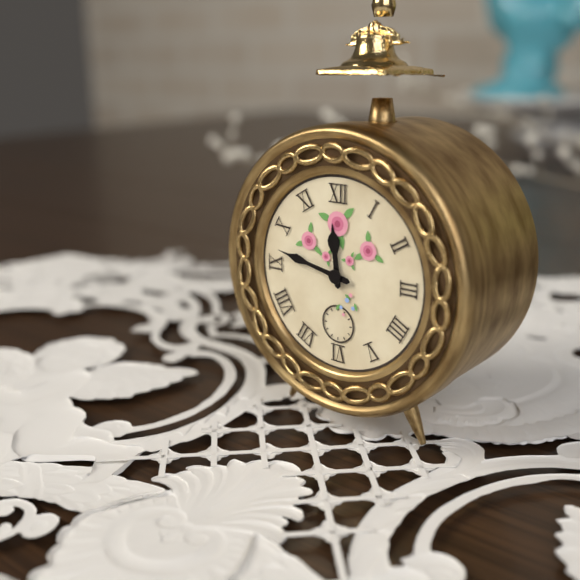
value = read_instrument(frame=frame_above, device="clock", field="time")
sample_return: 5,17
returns 11,47
